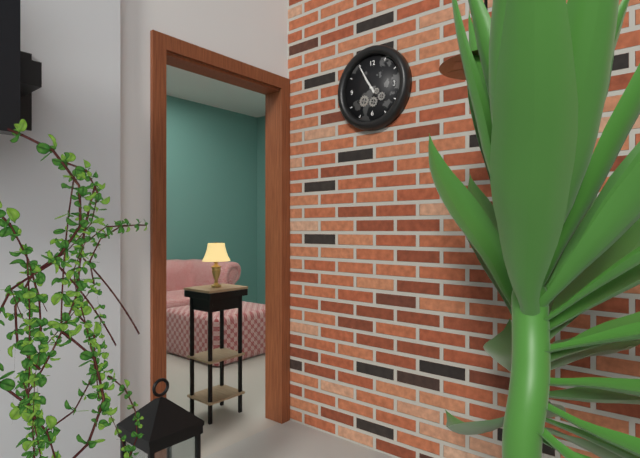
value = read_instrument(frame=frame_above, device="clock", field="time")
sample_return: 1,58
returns 10,55
